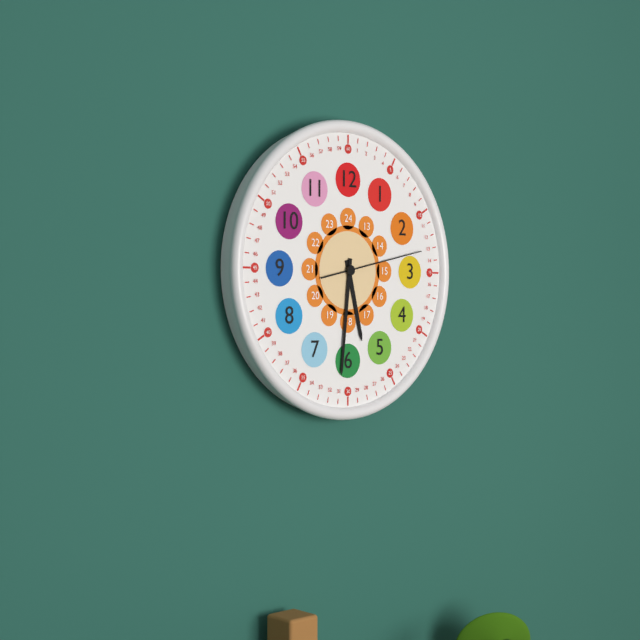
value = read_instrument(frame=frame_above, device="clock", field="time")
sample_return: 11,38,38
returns 5,31,13
